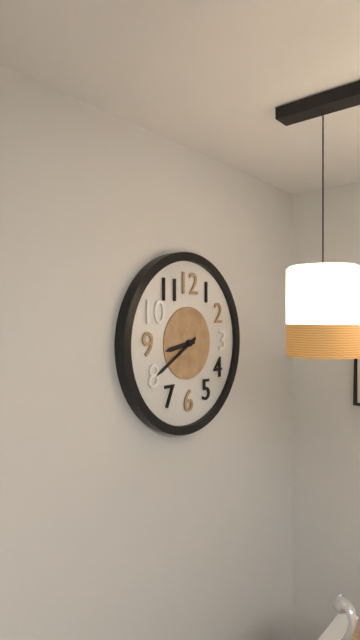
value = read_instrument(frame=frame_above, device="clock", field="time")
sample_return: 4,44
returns 8,40
